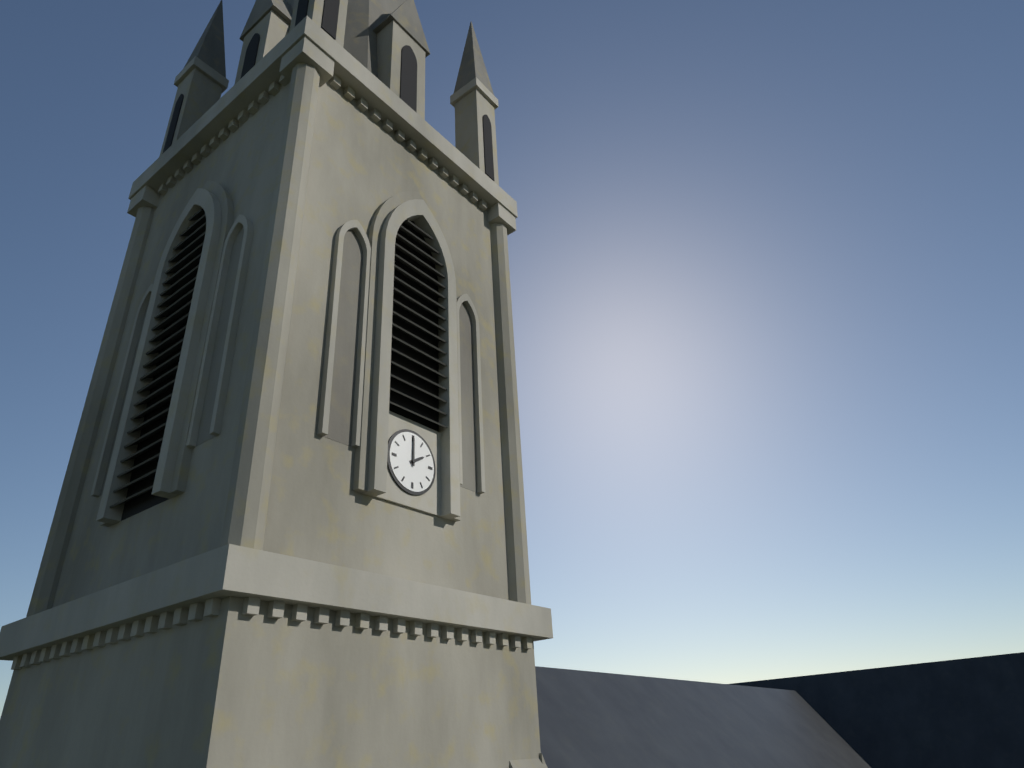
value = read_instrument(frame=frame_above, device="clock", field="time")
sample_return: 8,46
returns 2,00
